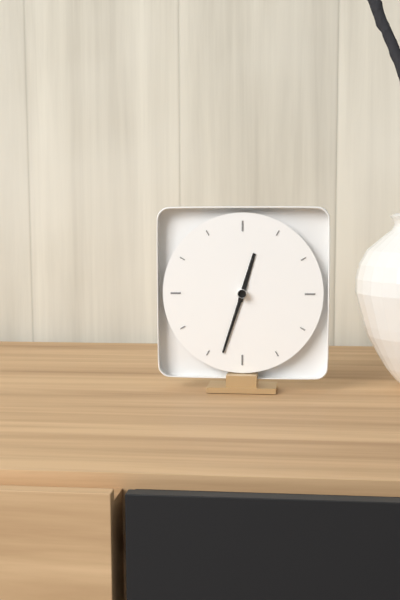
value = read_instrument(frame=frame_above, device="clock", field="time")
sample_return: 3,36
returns 12,33
